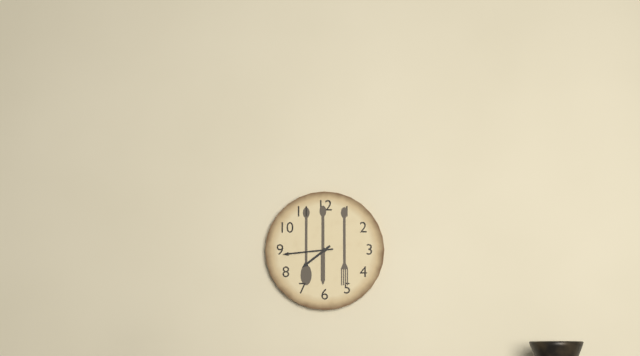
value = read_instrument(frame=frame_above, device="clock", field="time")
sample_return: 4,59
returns 7,44
